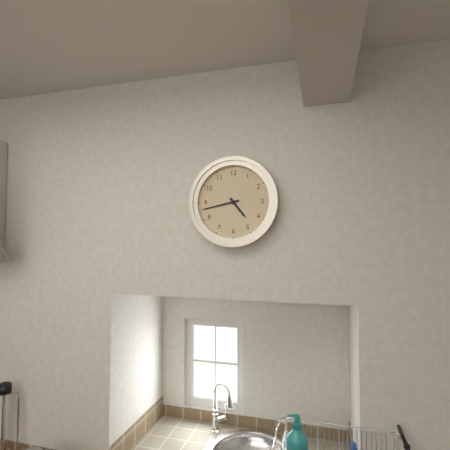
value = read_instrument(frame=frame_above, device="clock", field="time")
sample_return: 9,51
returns 4,43
